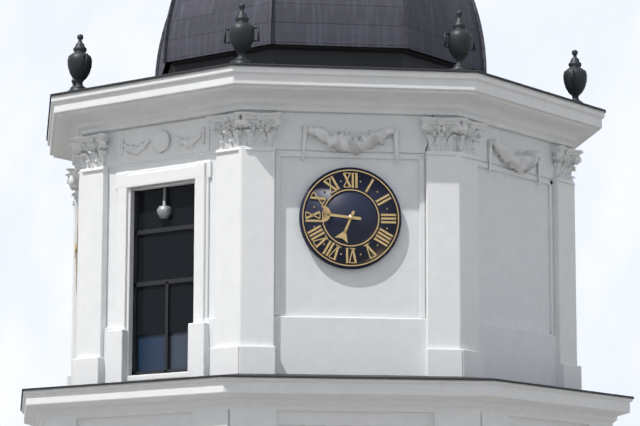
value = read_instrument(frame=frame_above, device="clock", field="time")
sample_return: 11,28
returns 6,46
